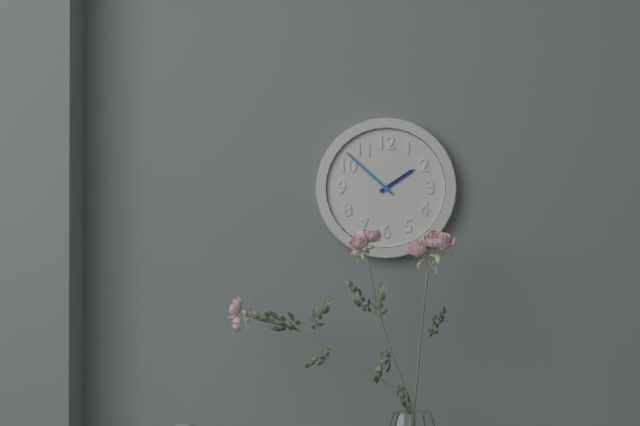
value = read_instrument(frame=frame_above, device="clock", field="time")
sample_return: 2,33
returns 1,52
